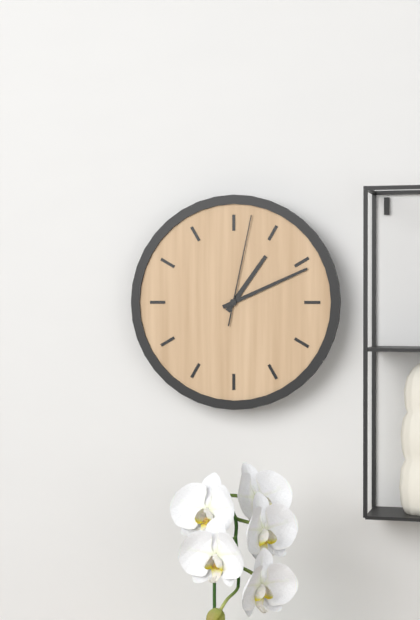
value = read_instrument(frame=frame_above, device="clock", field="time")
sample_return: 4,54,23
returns 1,11,02
